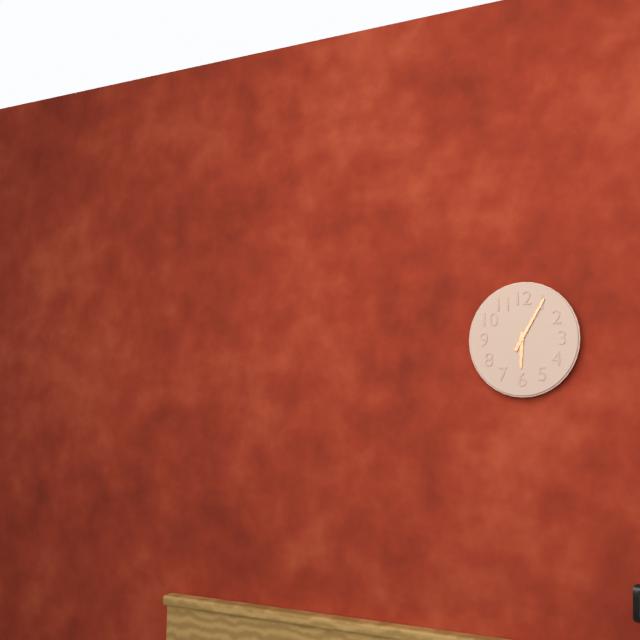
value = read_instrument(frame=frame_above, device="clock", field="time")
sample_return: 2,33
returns 6,05
